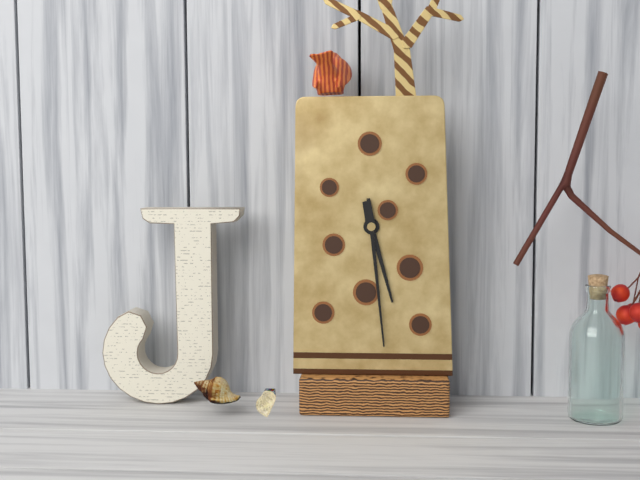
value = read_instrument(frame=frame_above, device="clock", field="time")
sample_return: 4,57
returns 5,29
